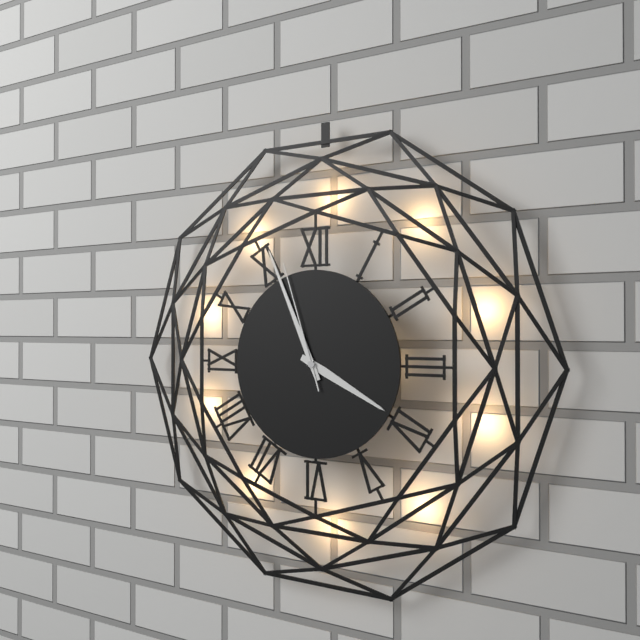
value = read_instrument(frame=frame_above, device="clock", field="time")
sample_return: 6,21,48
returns 3,56,57
